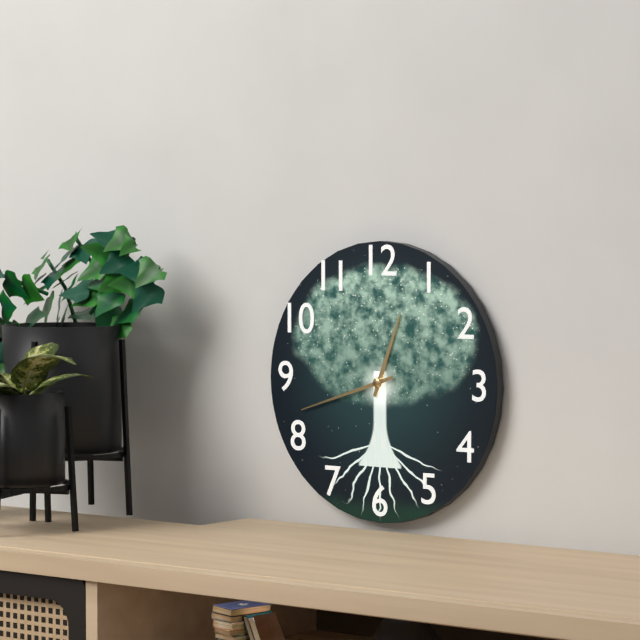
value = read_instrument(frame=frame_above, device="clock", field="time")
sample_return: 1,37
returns 12,42
